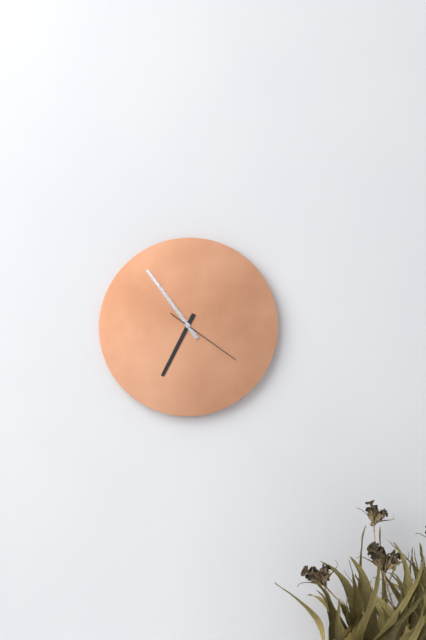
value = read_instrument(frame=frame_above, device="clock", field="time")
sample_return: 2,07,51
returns 6,54,21
